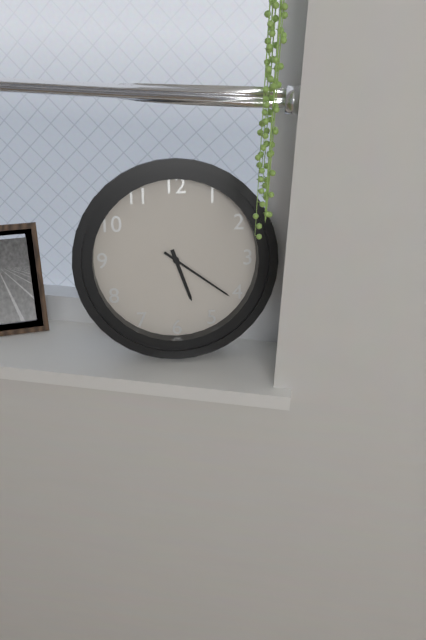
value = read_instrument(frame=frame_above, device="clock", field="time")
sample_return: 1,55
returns 5,21
